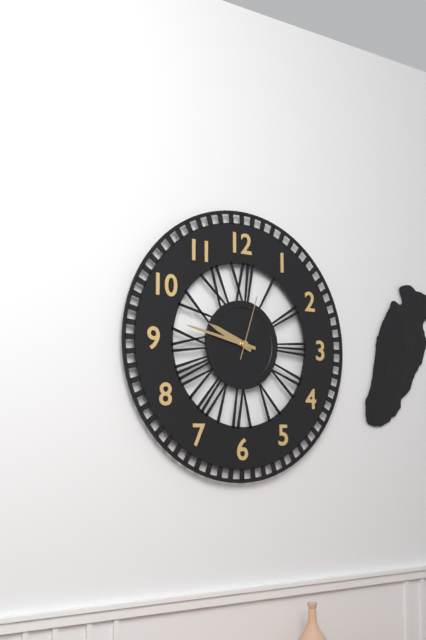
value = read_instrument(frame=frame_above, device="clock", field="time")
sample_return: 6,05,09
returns 9,47,03
